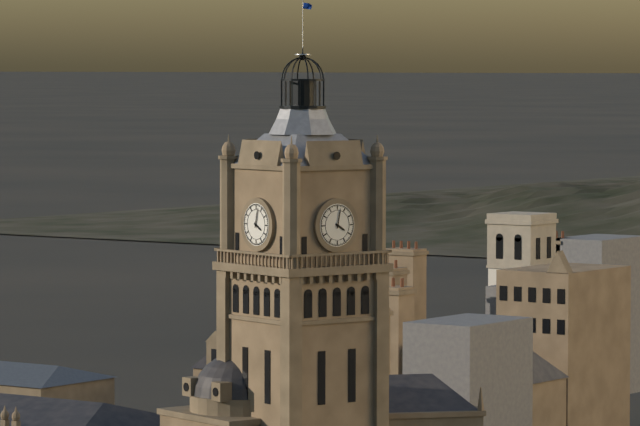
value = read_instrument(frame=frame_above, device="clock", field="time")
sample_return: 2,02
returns 4,02
